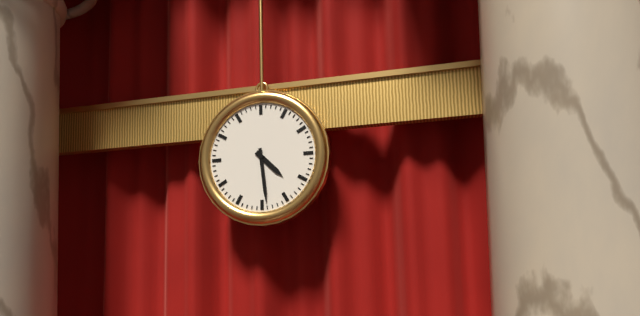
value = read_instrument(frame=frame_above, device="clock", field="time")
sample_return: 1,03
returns 4,29
